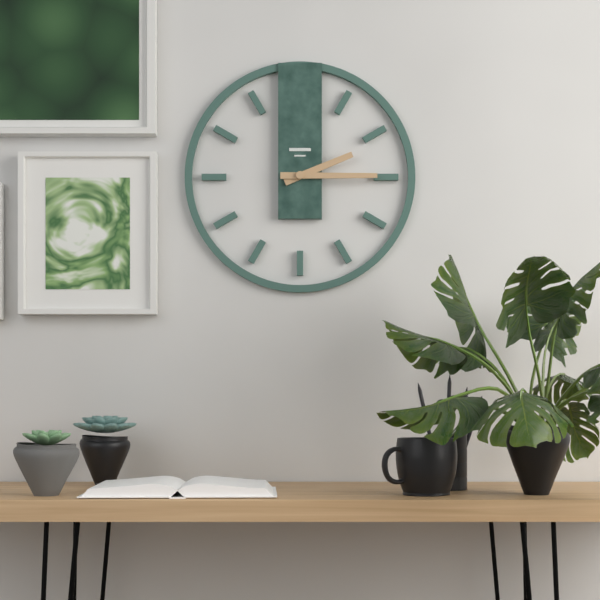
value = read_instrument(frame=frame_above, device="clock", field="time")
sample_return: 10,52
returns 2,15
